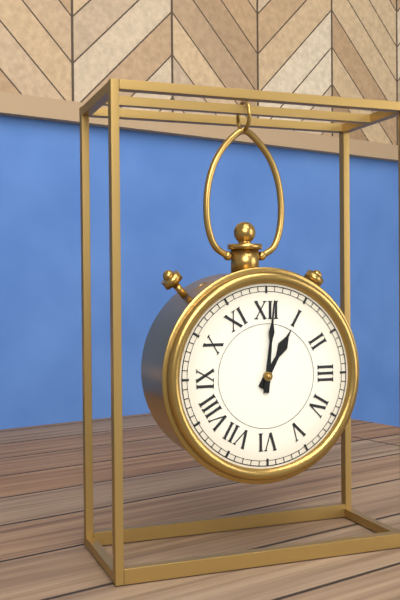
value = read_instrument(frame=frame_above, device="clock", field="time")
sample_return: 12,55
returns 1,01
